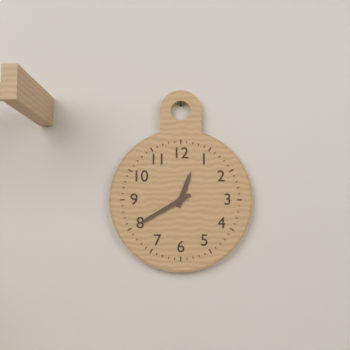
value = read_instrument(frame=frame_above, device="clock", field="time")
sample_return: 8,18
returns 12,40
